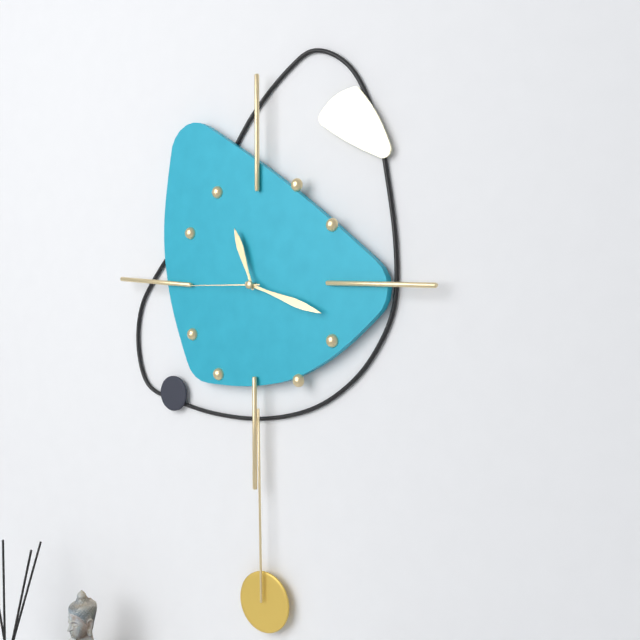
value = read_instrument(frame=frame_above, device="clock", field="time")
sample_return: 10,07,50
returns 11,18,45
